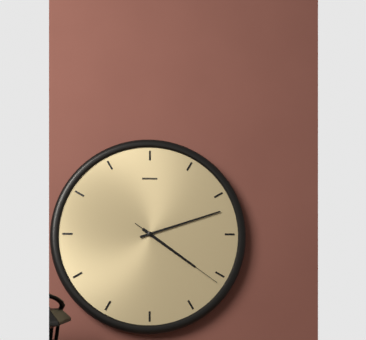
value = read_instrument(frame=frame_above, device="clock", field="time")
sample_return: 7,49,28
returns 4,12,21
